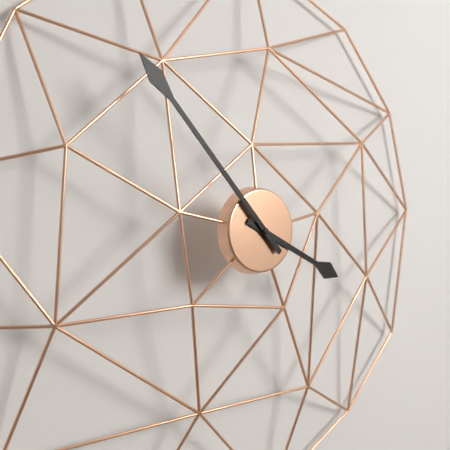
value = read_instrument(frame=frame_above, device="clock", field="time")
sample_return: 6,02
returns 3,53
